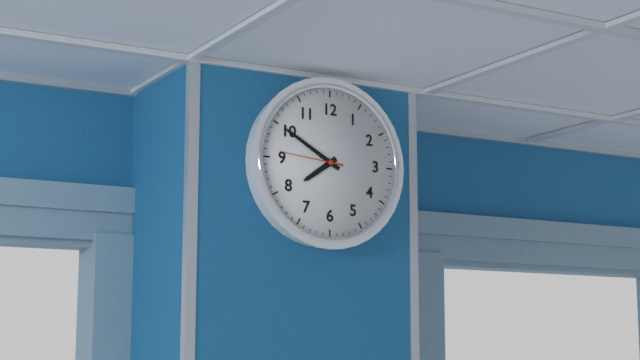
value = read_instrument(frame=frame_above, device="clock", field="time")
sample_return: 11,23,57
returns 7,50,46
